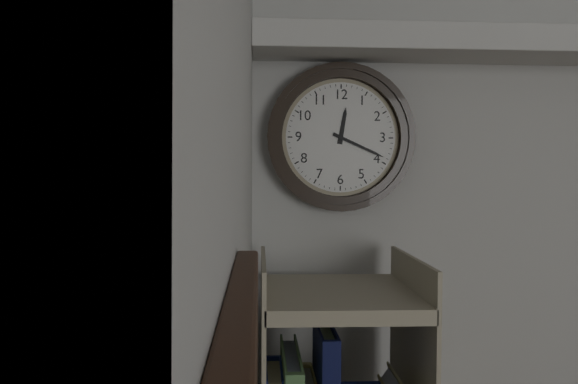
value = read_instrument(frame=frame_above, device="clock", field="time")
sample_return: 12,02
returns 12,19
